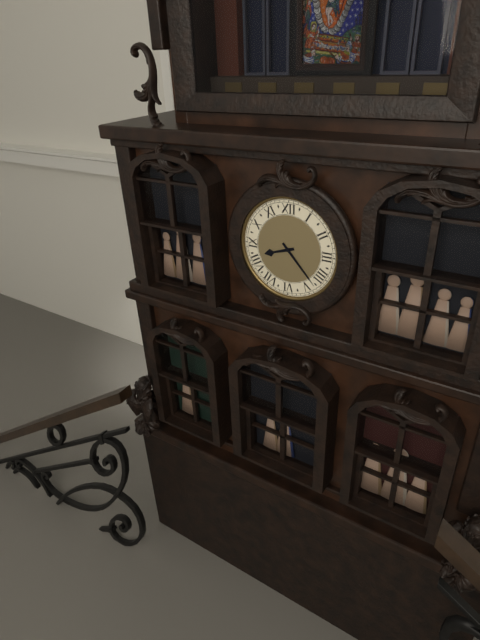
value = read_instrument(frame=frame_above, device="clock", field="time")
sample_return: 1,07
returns 8,23
